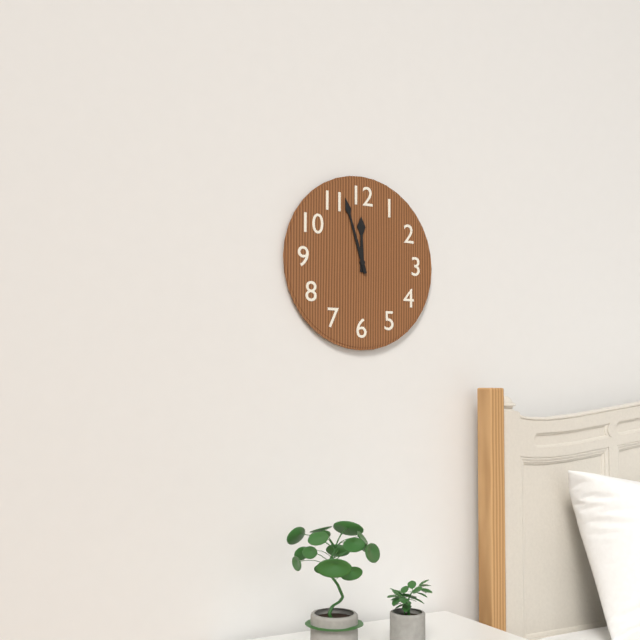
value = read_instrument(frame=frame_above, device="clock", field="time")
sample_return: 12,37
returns 11,57
